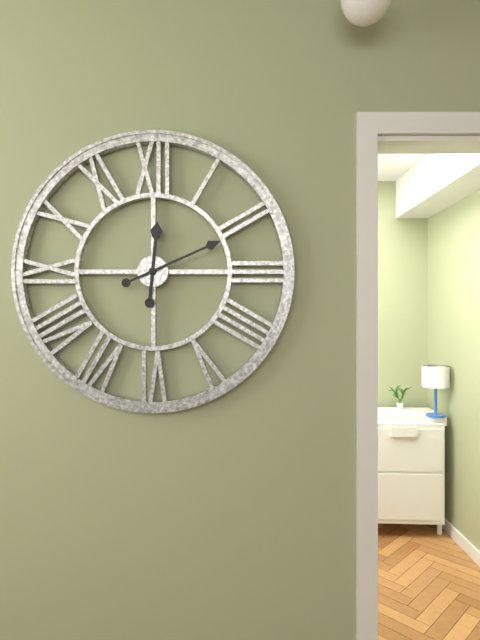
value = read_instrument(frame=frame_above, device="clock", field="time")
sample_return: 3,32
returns 12,11
